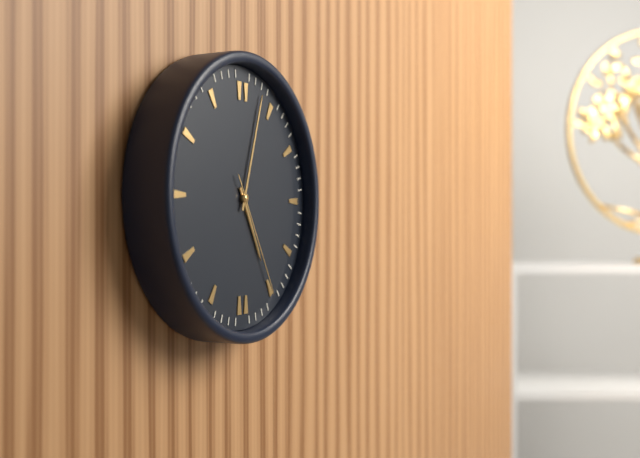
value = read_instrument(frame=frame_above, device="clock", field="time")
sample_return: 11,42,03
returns 5,03,25
